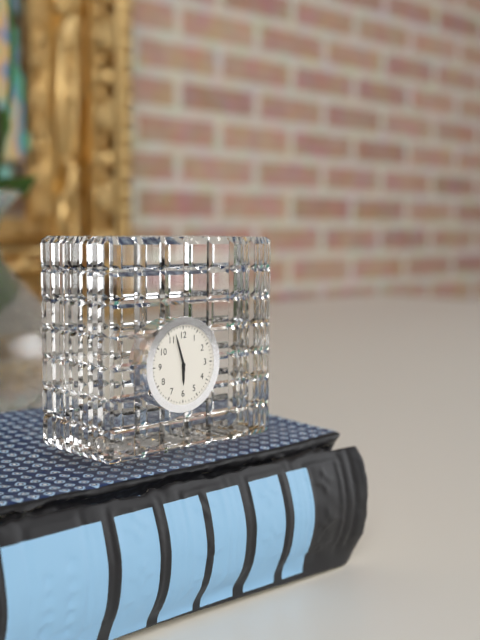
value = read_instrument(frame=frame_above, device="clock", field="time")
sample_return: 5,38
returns 5,57
